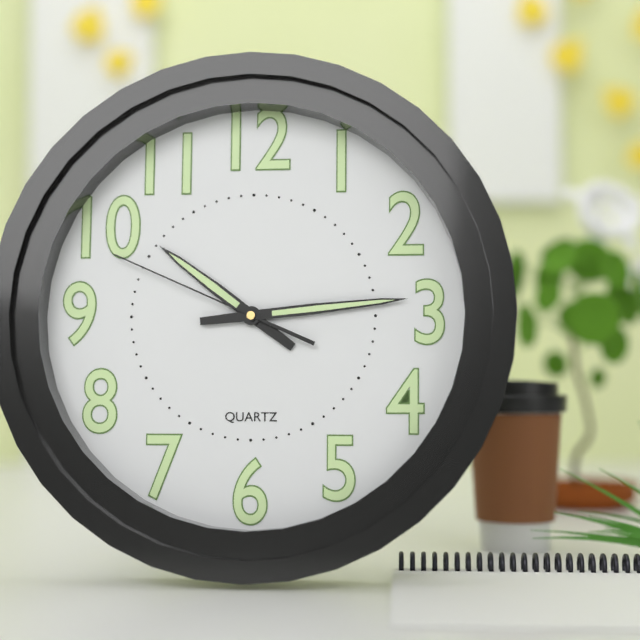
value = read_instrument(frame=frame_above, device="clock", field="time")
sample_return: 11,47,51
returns 10,14,49
